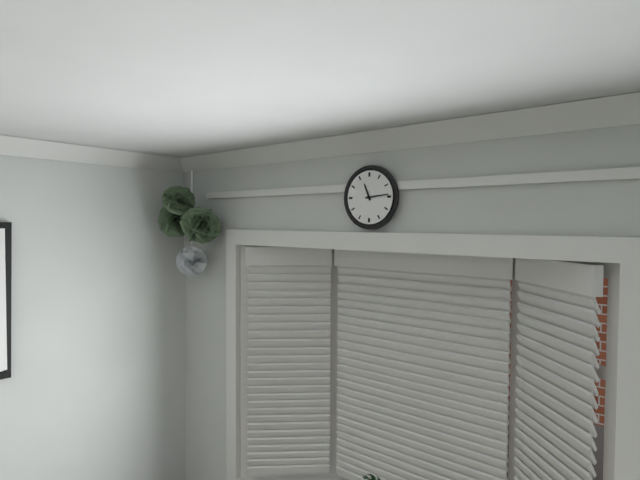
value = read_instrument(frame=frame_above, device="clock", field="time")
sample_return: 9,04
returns 11,14
